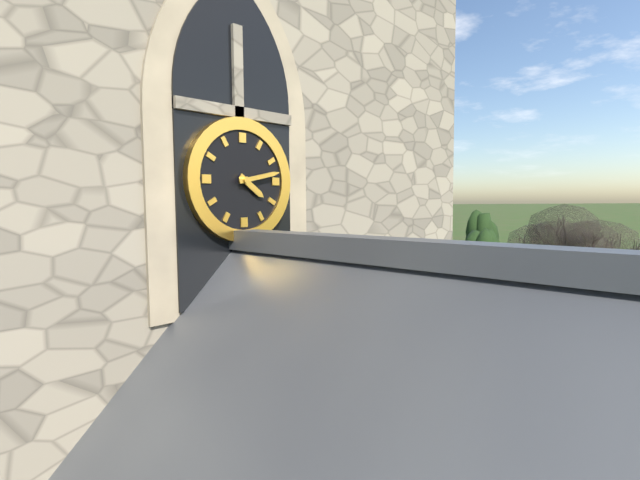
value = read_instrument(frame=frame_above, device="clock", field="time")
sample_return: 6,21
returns 4,13
